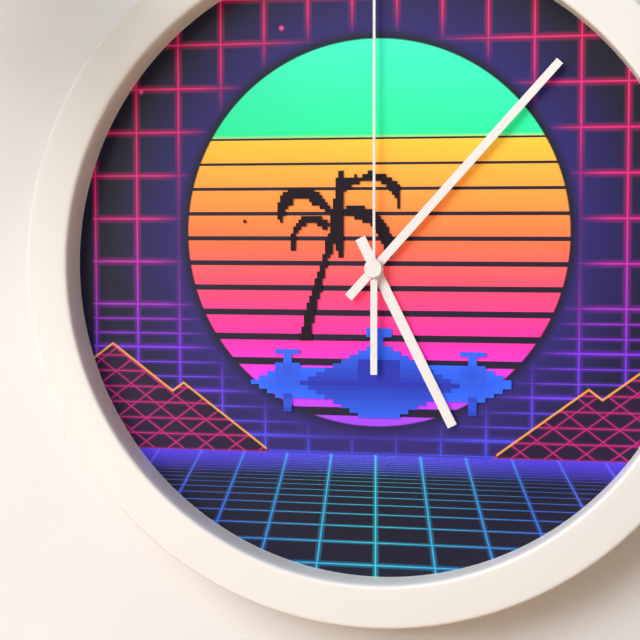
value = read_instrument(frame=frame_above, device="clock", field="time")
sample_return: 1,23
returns 5,07
